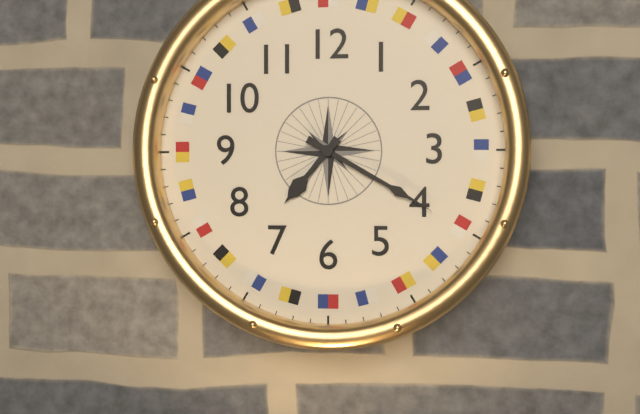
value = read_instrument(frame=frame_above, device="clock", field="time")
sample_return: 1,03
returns 7,20
